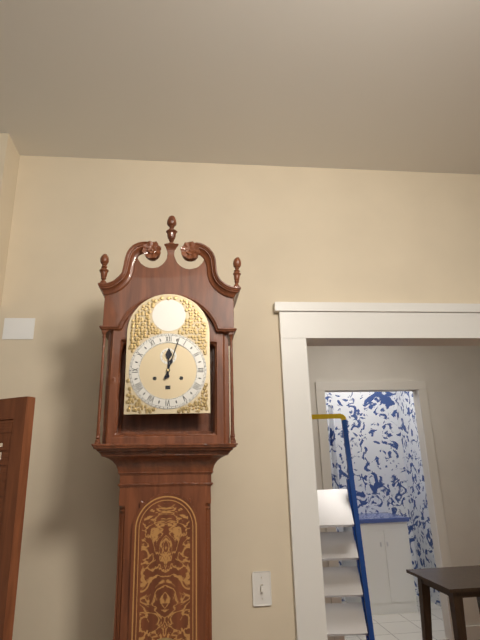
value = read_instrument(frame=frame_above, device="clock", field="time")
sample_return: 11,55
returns 12,03
